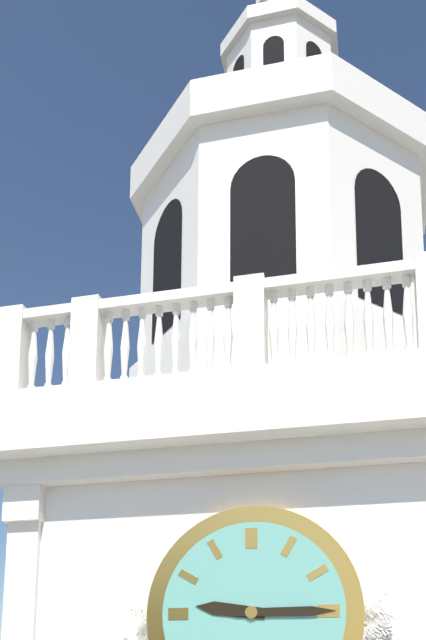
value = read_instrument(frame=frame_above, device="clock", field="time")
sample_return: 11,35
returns 9,15
